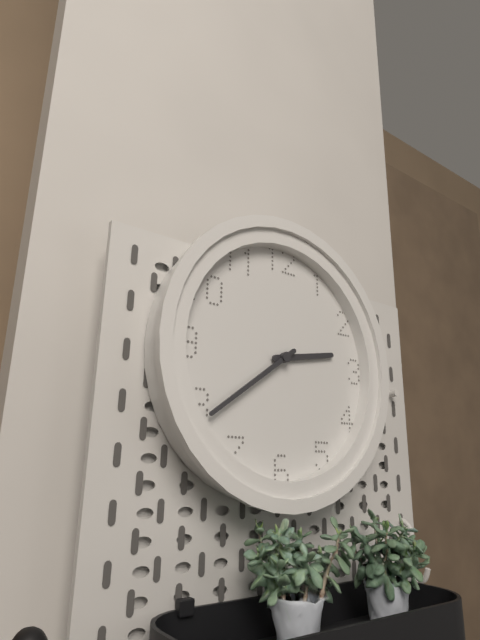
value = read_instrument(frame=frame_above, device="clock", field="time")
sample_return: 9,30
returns 2,39
